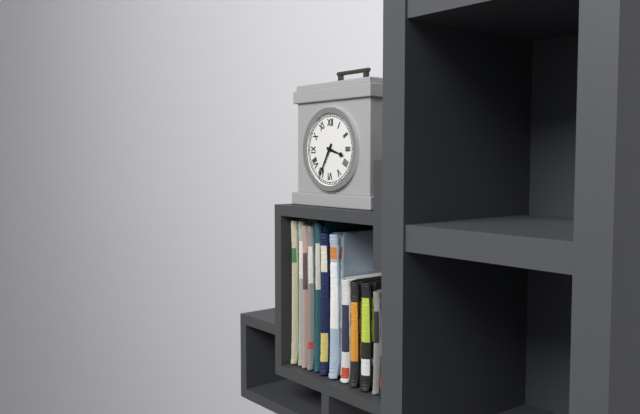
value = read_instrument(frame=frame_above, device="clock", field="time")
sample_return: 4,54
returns 3,35
